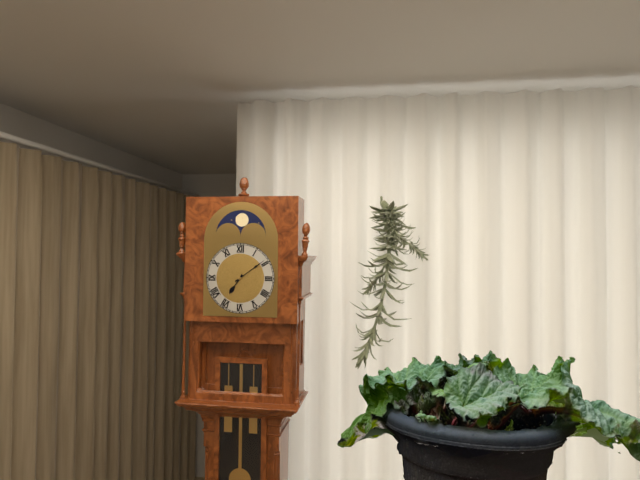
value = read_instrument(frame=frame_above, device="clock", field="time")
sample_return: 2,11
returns 7,09
